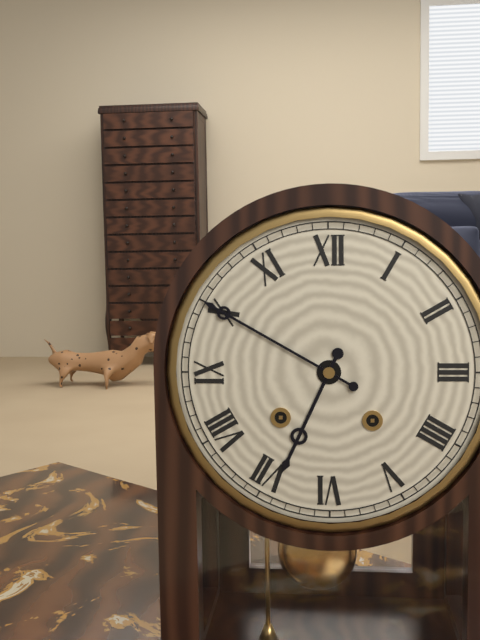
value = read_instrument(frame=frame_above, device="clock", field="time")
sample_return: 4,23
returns 6,50
